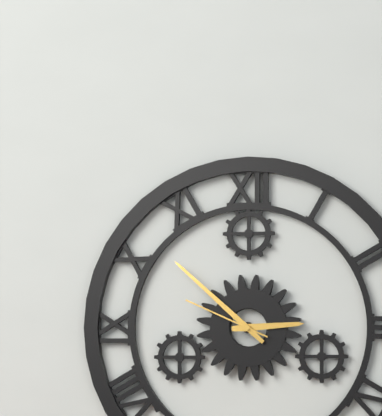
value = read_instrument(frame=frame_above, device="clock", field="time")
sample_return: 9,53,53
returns 2,52,49
